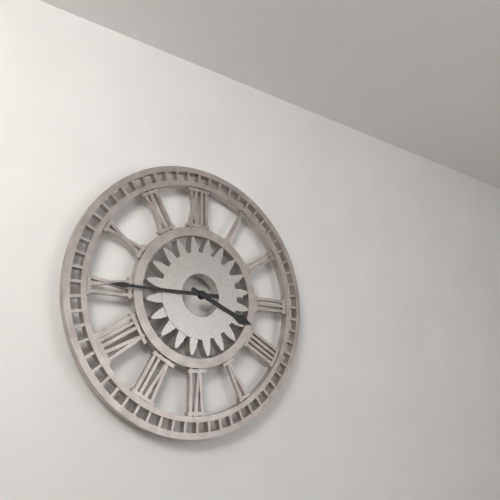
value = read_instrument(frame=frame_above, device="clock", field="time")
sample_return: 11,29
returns 3,45
